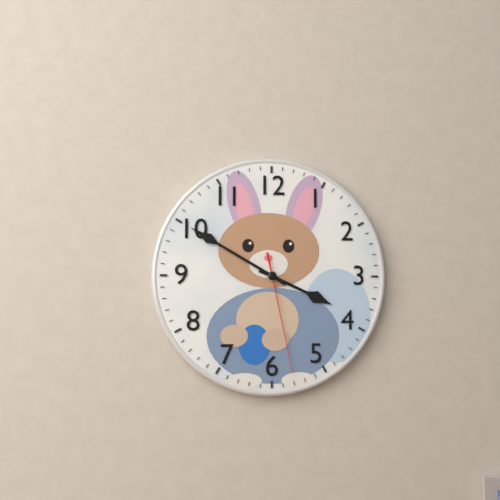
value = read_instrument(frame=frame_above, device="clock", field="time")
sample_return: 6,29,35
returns 3,50,28
